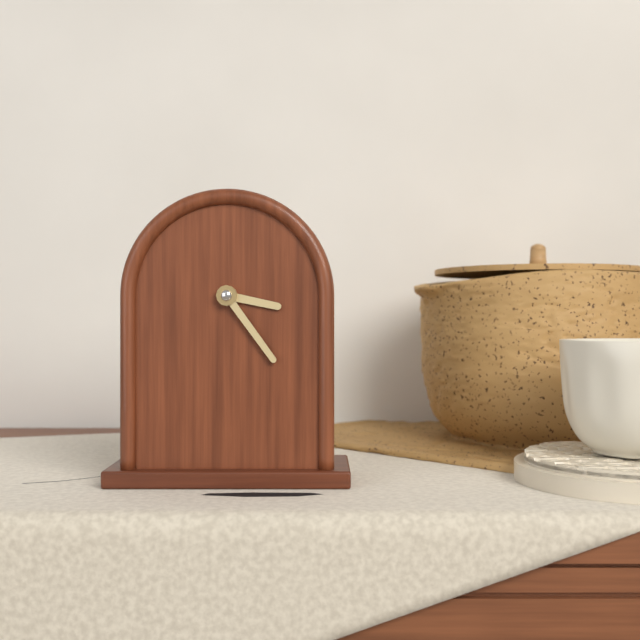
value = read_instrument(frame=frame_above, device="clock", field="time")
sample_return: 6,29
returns 3,24
